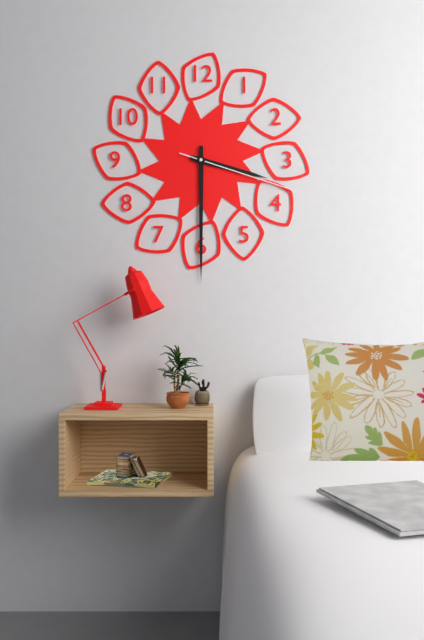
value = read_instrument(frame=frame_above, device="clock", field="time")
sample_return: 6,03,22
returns 3,30,18
